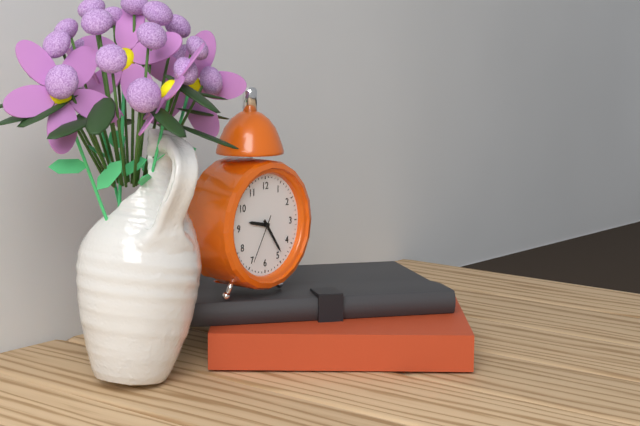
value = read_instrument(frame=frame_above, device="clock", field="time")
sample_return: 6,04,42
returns 9,24,35
